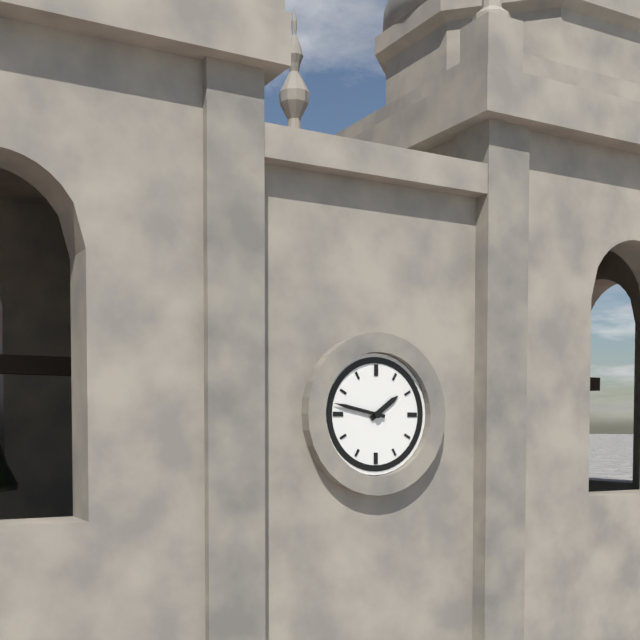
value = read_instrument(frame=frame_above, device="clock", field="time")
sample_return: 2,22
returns 1,47
